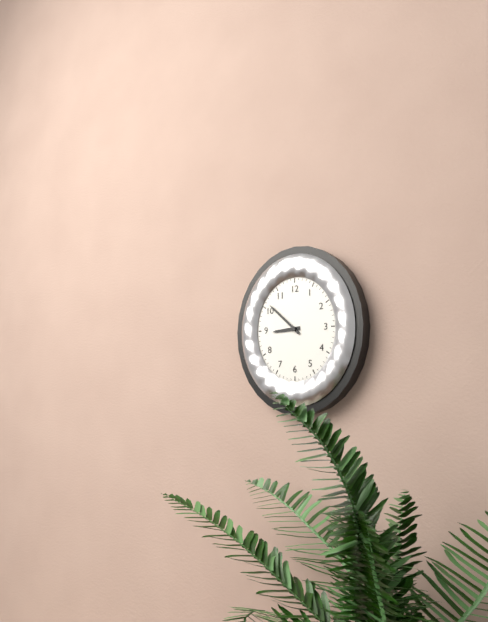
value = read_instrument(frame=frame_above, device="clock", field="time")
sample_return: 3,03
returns 8,52
